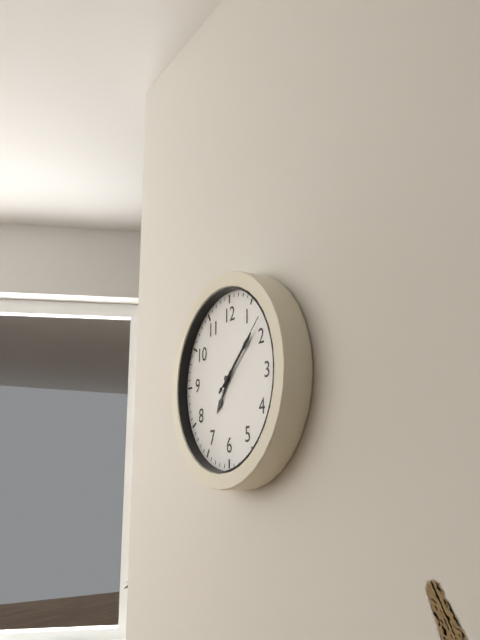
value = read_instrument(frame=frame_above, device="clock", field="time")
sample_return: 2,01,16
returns 7,08,08
